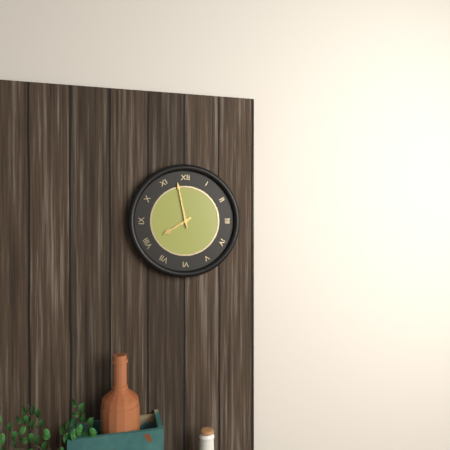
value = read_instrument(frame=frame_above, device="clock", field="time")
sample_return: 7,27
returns 7,58
